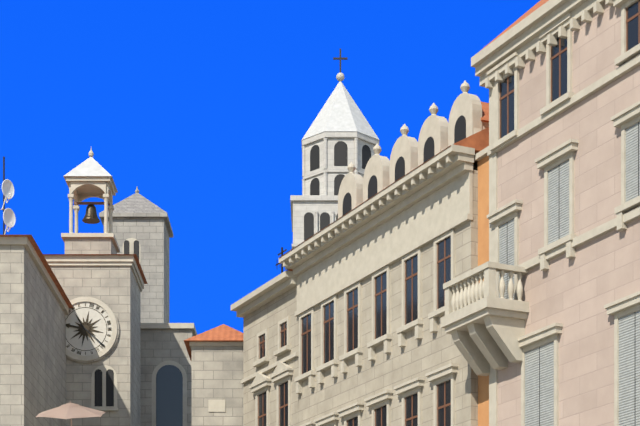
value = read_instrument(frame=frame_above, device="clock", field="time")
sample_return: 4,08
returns 9,22
